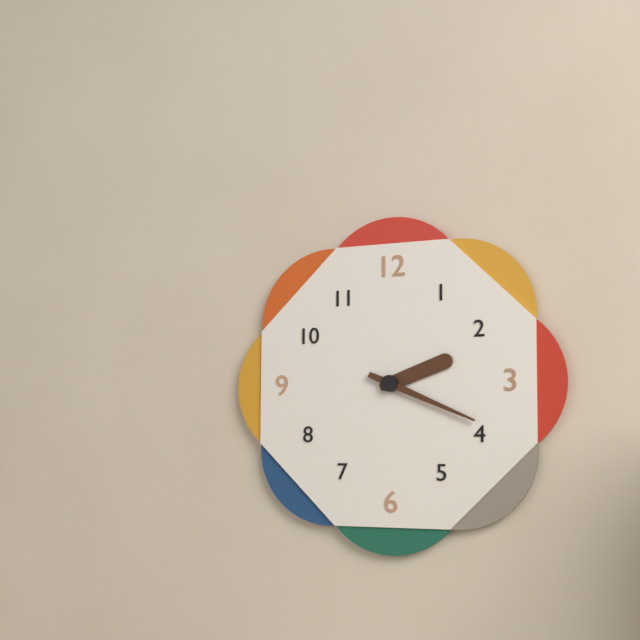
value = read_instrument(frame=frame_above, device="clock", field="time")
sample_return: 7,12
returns 2,19
